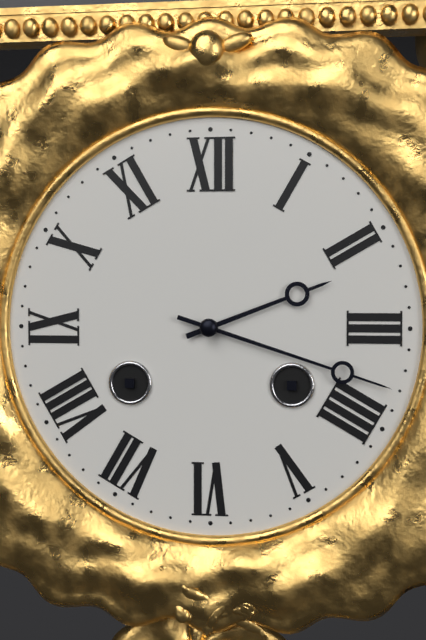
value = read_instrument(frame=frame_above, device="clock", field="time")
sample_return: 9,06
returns 2,18
